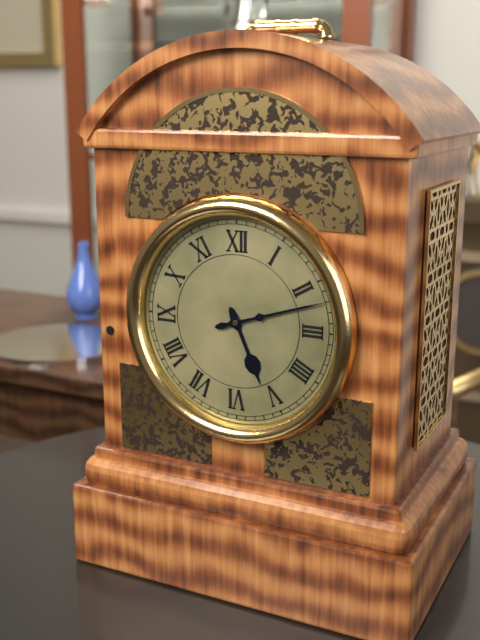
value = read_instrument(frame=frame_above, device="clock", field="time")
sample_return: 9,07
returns 5,12
